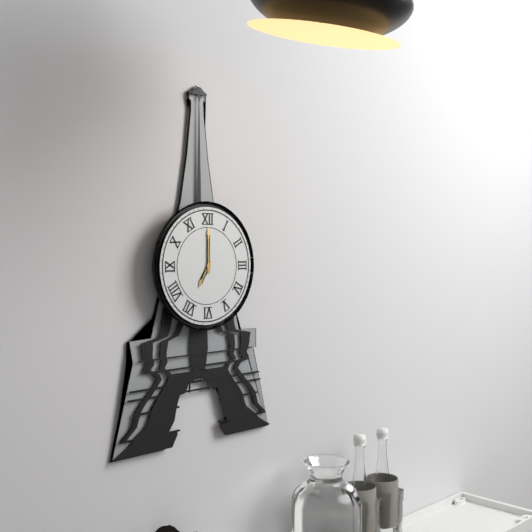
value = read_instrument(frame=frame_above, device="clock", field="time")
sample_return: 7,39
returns 7,00
